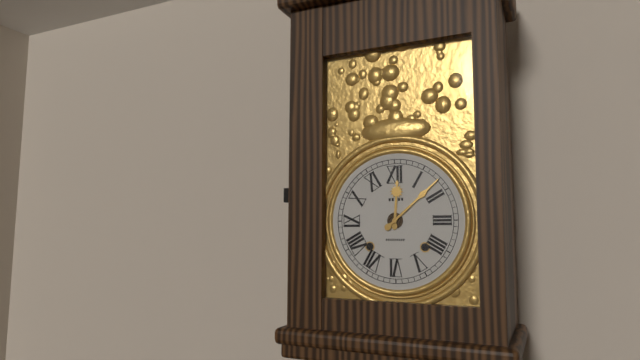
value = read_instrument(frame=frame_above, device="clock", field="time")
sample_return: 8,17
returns 12,08
